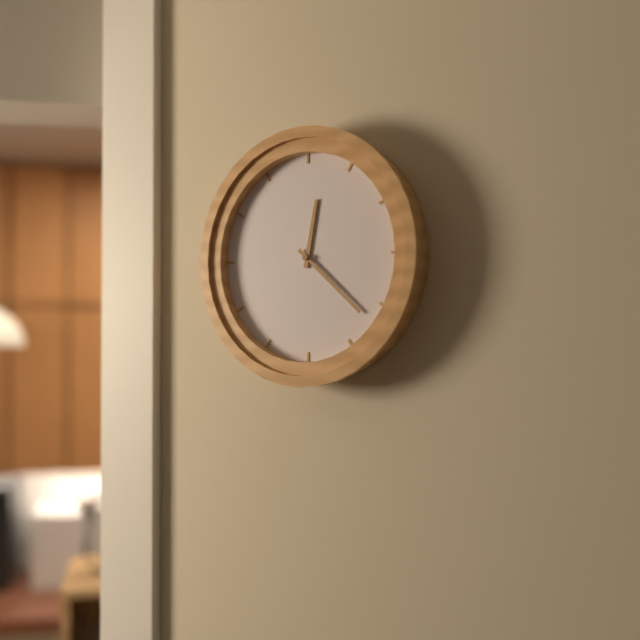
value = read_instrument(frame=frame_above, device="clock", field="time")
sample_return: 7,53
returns 12,22
